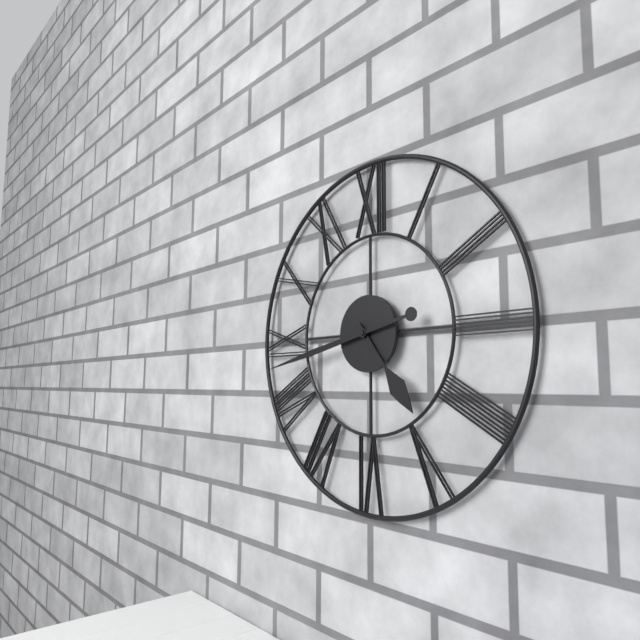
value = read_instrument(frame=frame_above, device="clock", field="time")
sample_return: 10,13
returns 4,43
